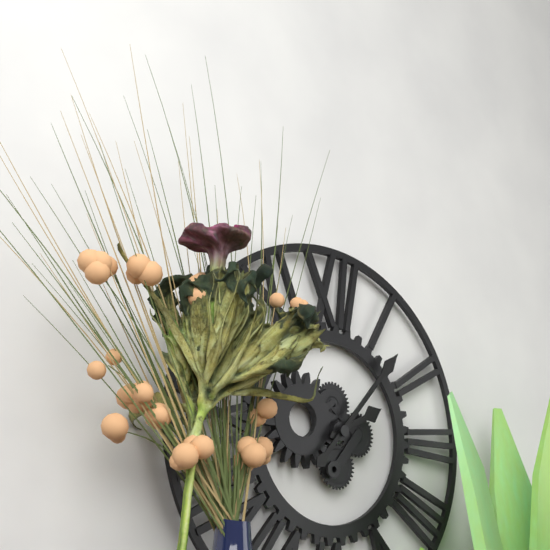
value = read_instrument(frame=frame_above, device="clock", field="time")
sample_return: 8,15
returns 2,07
